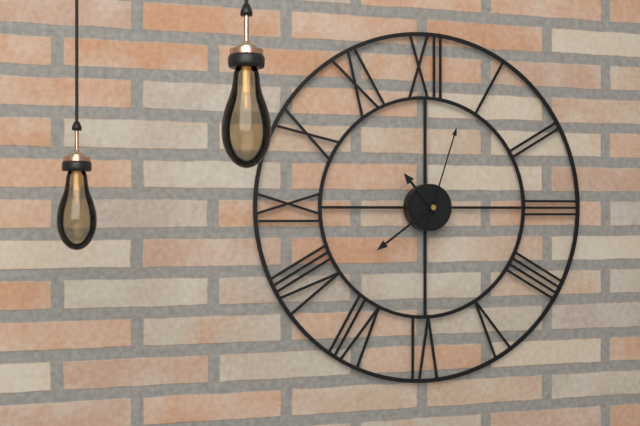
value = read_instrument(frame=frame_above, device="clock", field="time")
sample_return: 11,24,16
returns 10,39,03
